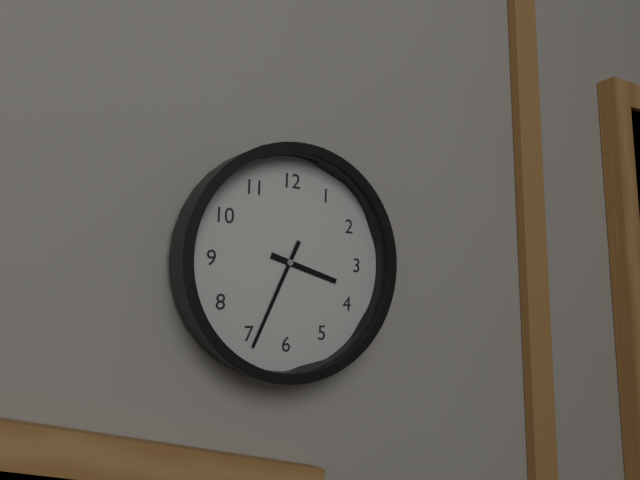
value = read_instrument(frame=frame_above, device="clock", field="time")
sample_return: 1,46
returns 3,34
